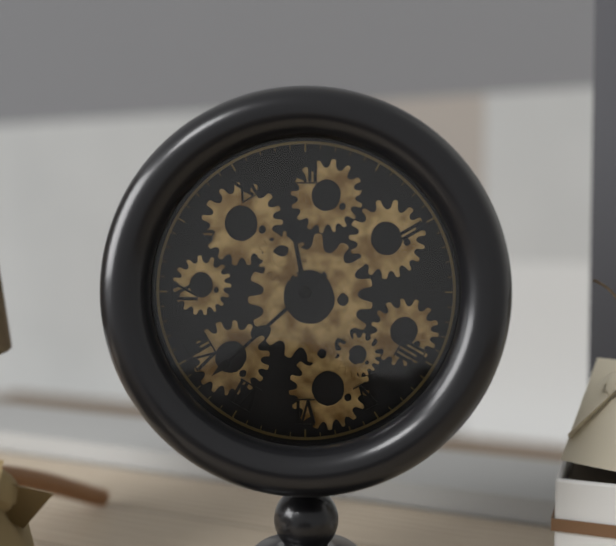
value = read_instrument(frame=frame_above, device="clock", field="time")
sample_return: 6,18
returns 11,38
